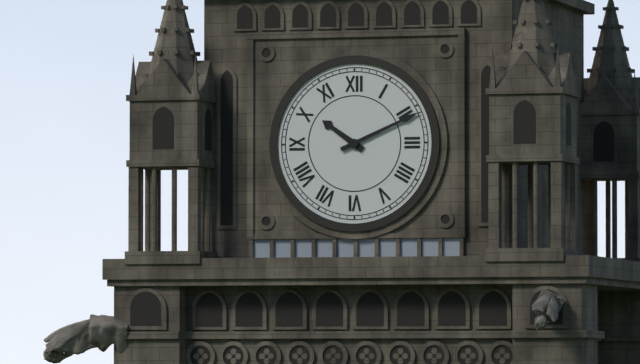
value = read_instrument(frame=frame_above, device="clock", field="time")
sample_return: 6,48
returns 10,11
